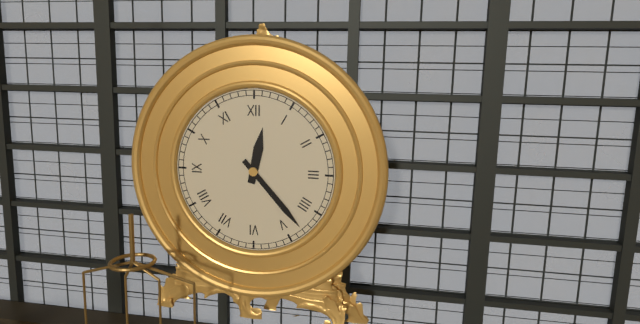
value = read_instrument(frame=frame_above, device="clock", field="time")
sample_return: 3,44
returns 12,23
